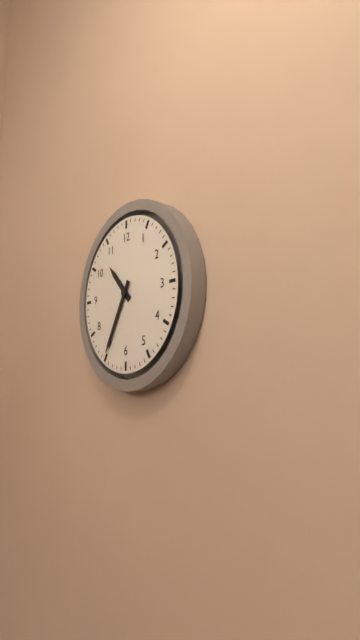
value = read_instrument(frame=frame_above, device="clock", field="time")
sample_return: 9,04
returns 10,35
